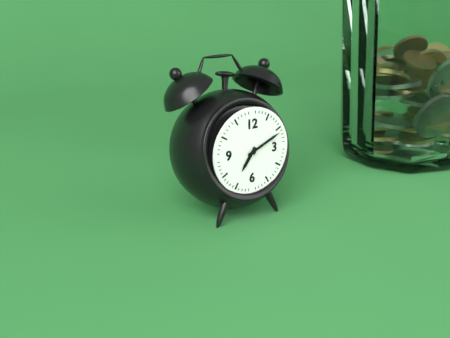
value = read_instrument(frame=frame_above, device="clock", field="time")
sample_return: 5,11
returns 7,11
